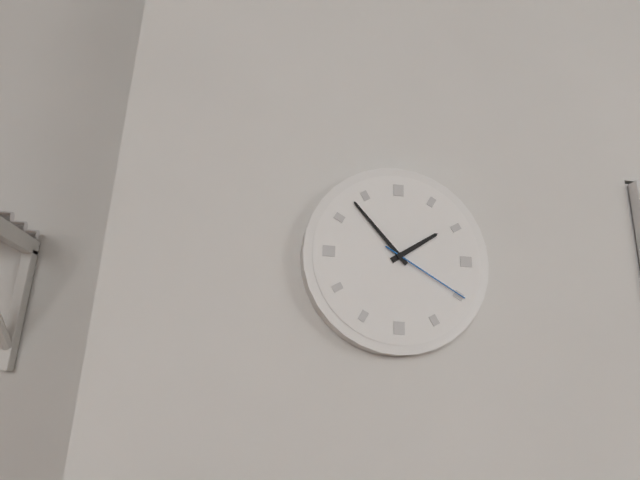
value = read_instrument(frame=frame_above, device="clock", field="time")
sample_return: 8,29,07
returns 1,53,20
